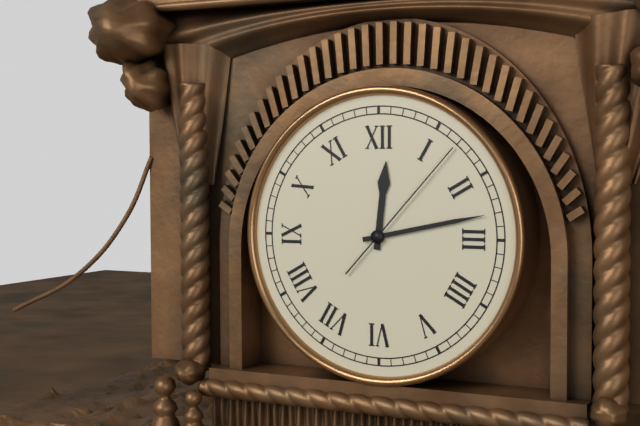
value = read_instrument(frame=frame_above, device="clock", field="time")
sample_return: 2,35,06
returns 12,13,07
